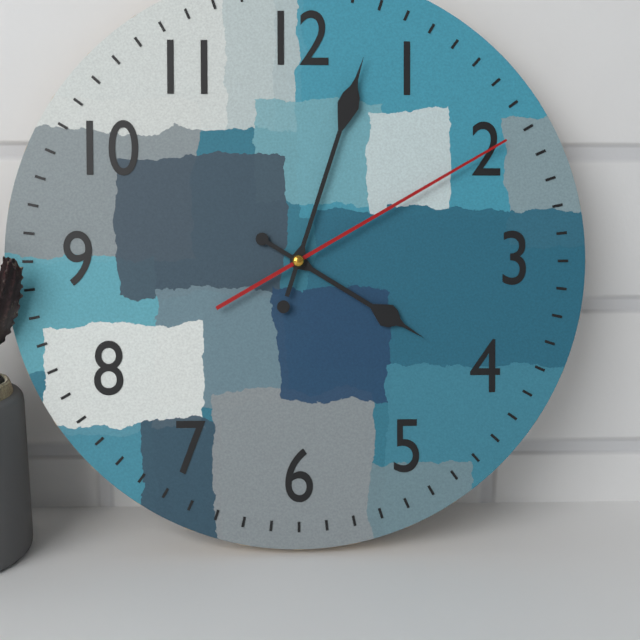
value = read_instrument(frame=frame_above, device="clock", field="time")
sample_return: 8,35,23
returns 4,03,10
